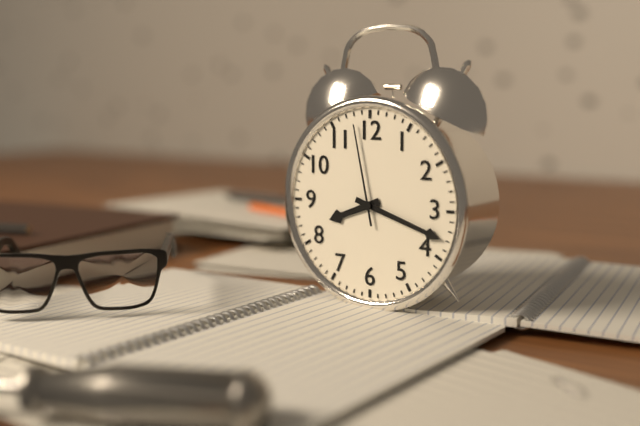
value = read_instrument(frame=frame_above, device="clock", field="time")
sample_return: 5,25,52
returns 8,18,58
